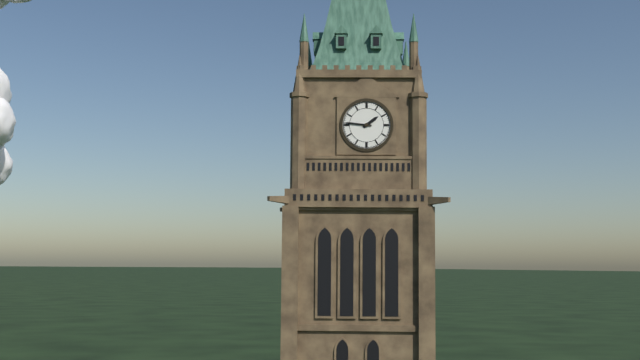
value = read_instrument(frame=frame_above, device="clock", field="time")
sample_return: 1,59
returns 1,46
